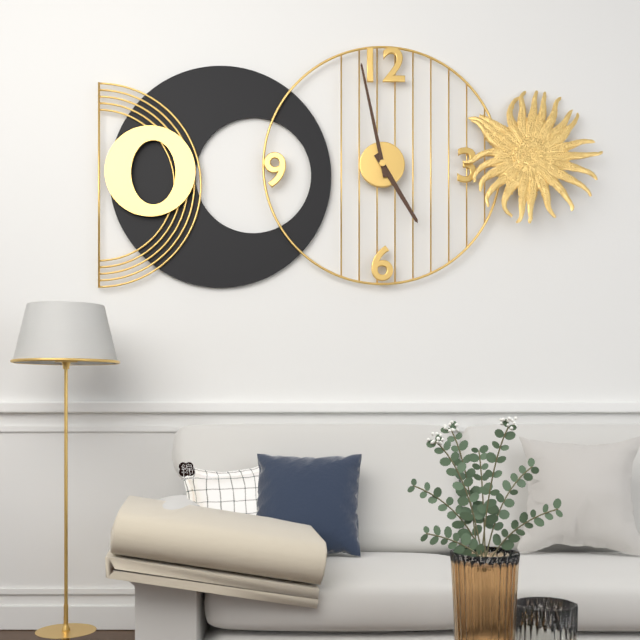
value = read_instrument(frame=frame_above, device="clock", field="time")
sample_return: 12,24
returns 4,58
